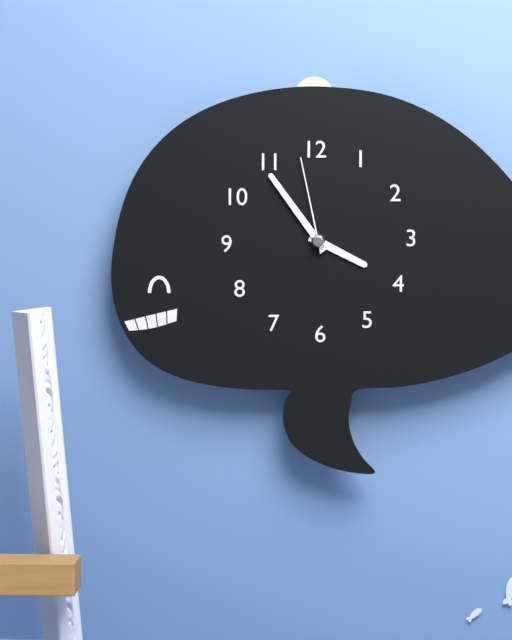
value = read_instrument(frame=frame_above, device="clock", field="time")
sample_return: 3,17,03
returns 3,54,58
